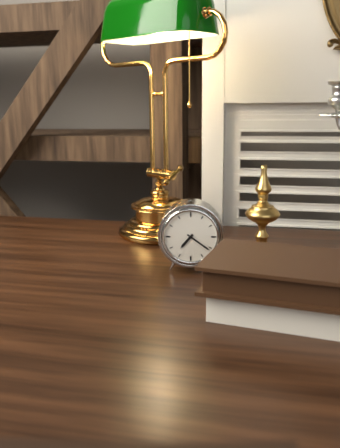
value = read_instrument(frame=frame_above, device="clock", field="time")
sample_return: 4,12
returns 7,21
